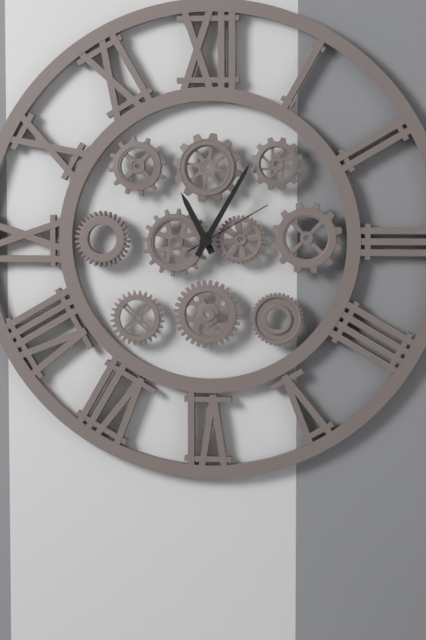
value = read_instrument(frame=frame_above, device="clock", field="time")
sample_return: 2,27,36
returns 11,05,10
